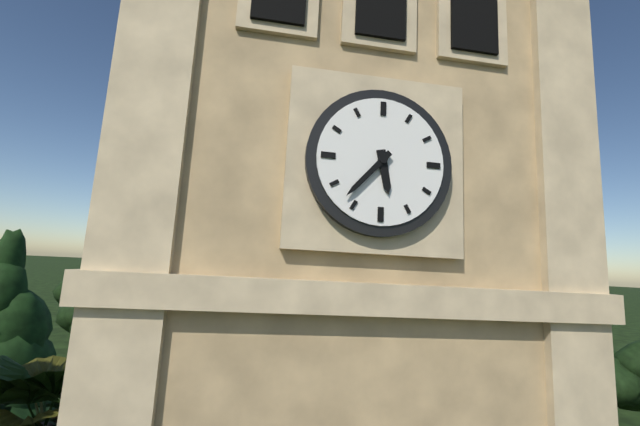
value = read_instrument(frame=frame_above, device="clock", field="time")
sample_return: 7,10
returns 5,37
